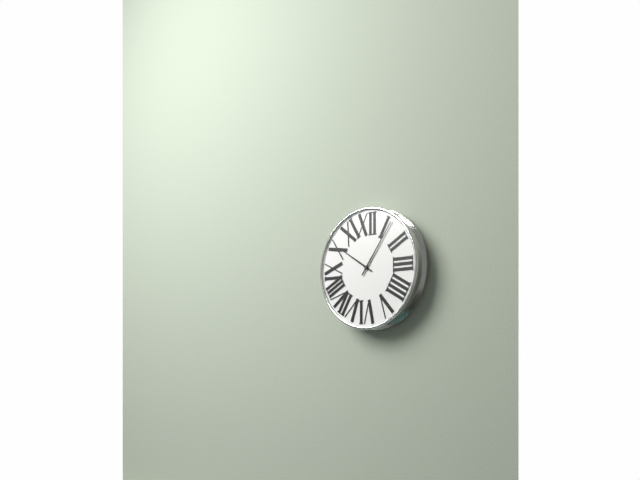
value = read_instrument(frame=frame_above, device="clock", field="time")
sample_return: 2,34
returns 10,06
